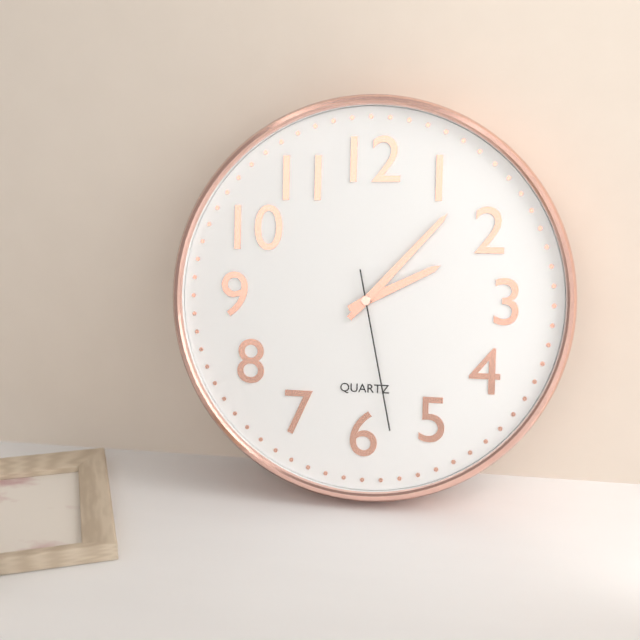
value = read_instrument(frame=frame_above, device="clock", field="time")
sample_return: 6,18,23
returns 2,07,28
